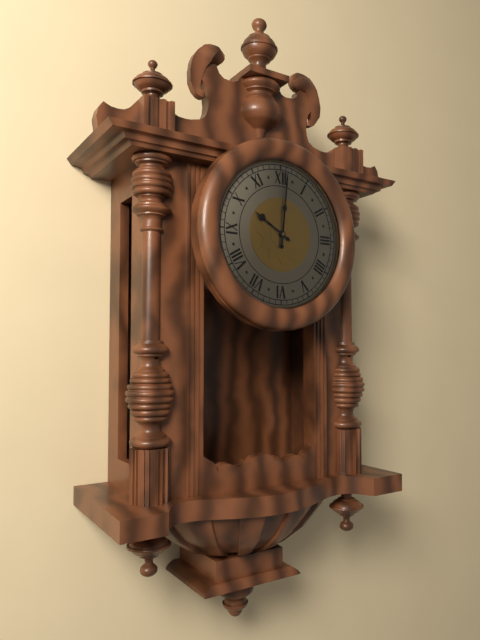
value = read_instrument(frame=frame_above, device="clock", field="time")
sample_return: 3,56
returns 10,01
